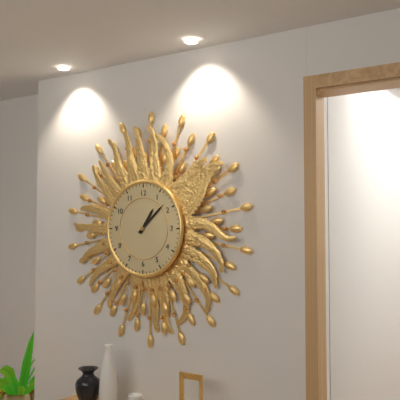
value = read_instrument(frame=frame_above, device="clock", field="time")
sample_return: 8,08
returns 1,08
